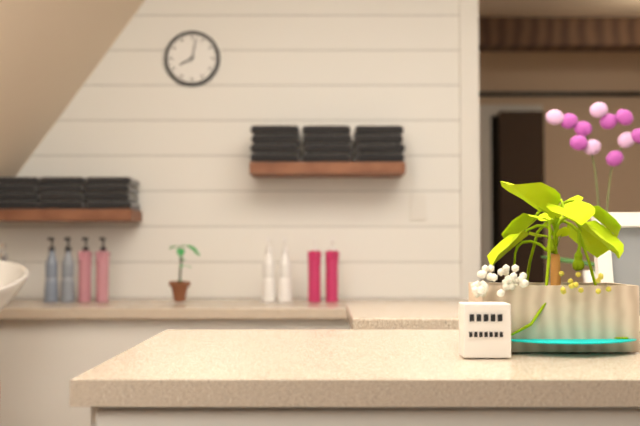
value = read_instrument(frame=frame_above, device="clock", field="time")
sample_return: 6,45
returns 8,02
